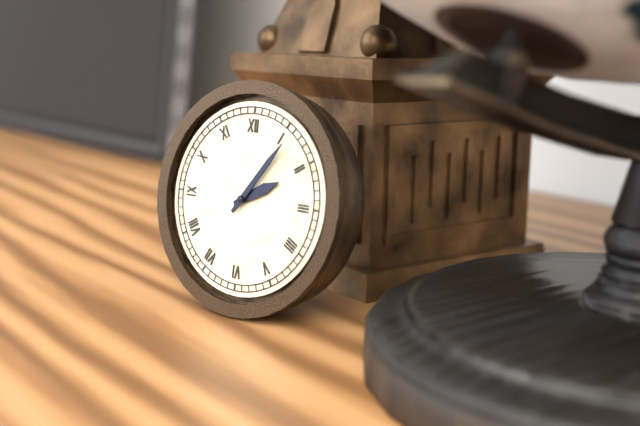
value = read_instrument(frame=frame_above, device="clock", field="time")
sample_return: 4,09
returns 2,06
